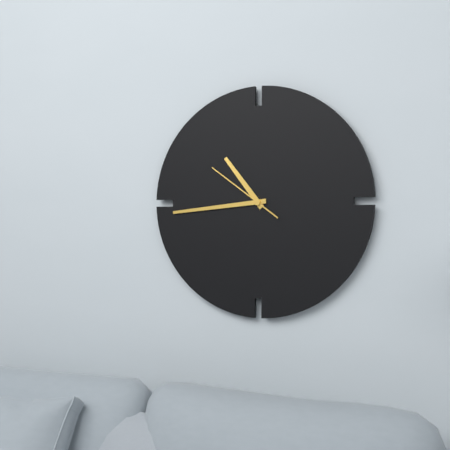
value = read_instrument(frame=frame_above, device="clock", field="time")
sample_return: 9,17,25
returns 10,44,51
